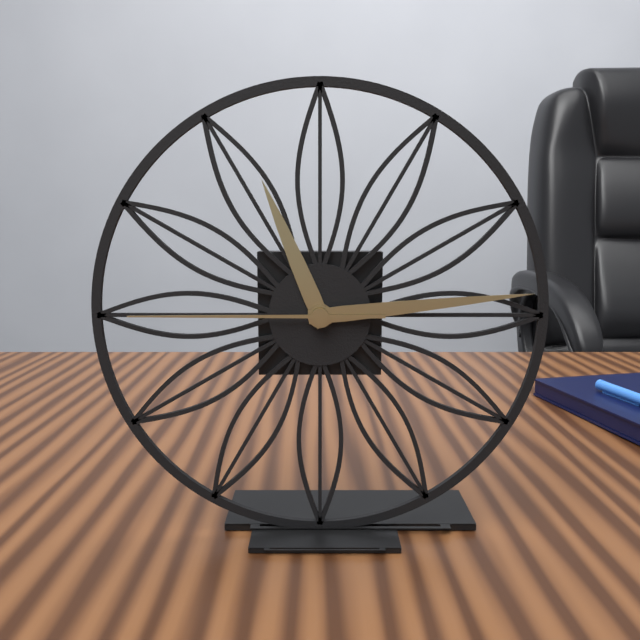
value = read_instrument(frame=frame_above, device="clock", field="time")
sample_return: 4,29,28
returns 11,14,45
